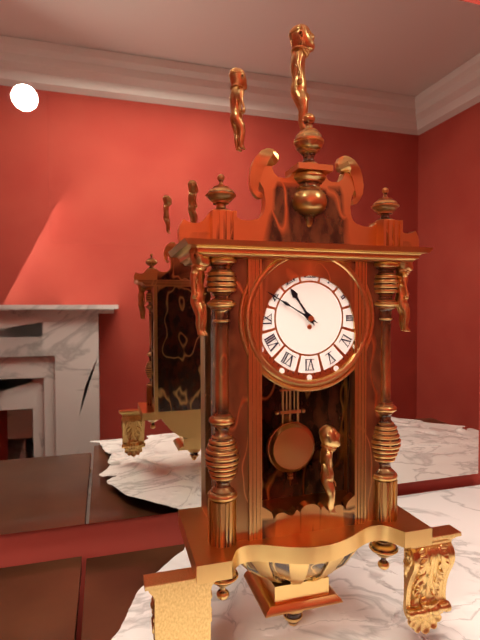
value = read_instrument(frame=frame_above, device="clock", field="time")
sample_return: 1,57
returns 10,50
